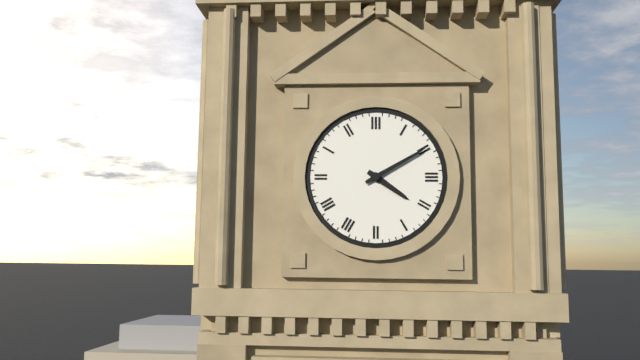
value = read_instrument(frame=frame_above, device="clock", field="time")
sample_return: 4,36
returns 4,10
